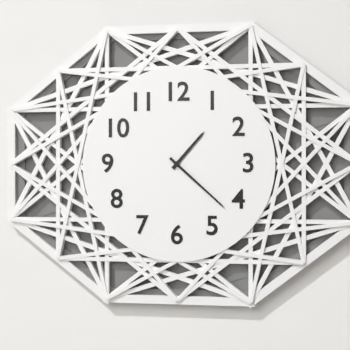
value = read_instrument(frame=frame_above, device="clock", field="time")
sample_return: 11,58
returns 1,22
